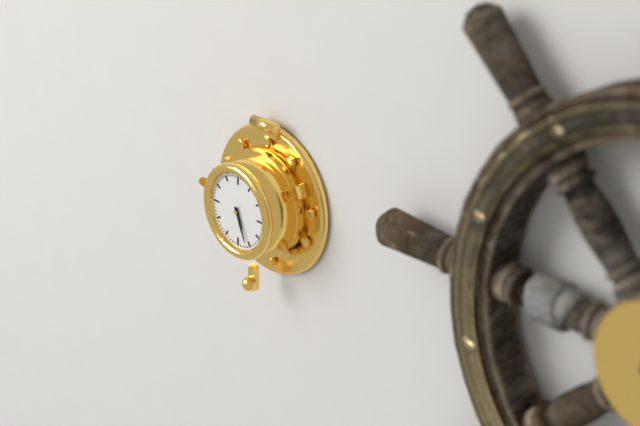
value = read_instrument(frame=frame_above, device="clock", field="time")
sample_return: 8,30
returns 5,26
